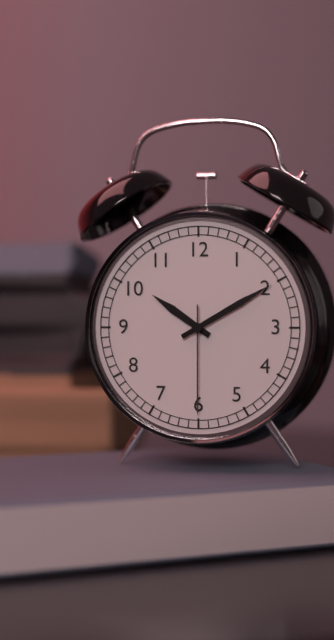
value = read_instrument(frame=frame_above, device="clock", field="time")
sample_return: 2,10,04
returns 10,10,30
